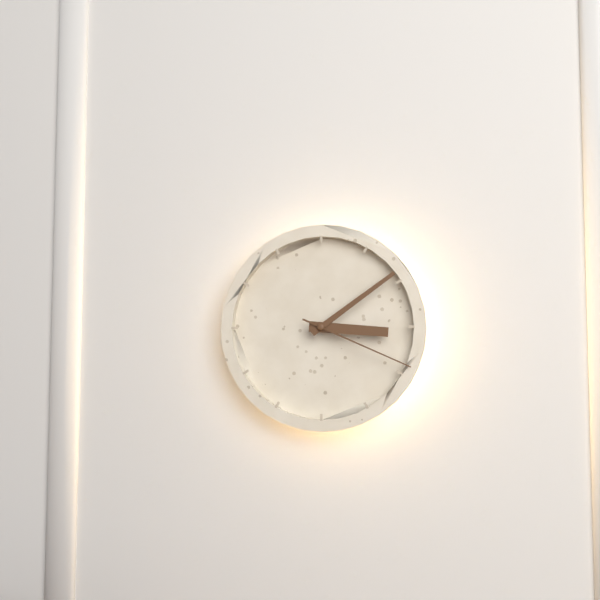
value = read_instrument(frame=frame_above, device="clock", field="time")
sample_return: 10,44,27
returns 3,09,19
